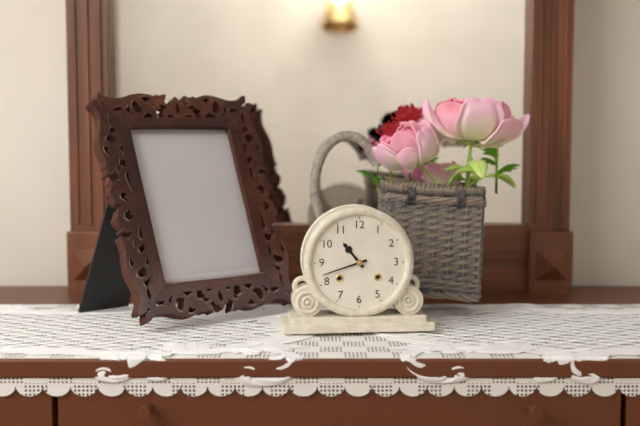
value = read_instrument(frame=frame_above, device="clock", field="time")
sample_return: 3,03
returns 10,42
